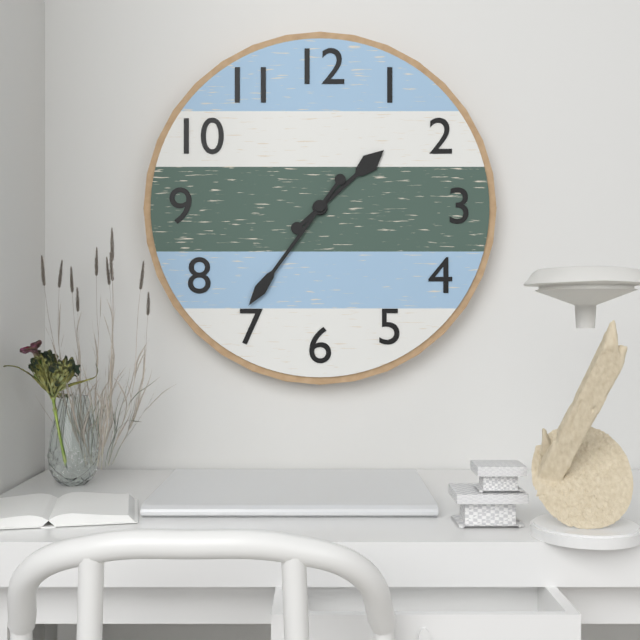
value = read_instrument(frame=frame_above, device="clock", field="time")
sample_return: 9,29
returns 1,36
